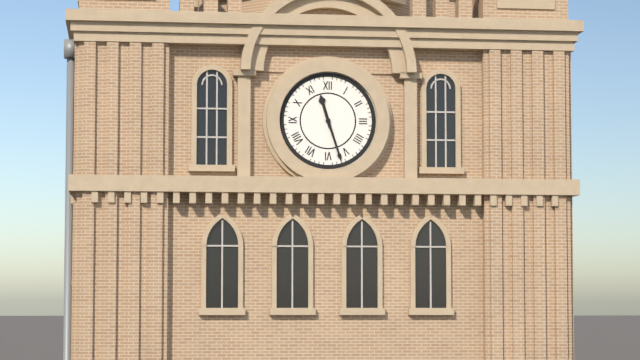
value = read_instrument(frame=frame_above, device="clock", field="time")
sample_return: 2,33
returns 11,27
